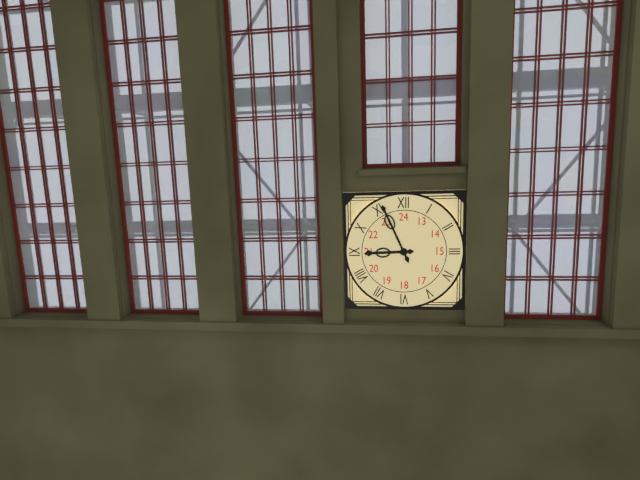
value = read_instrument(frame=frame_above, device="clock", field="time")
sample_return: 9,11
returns 8,56
